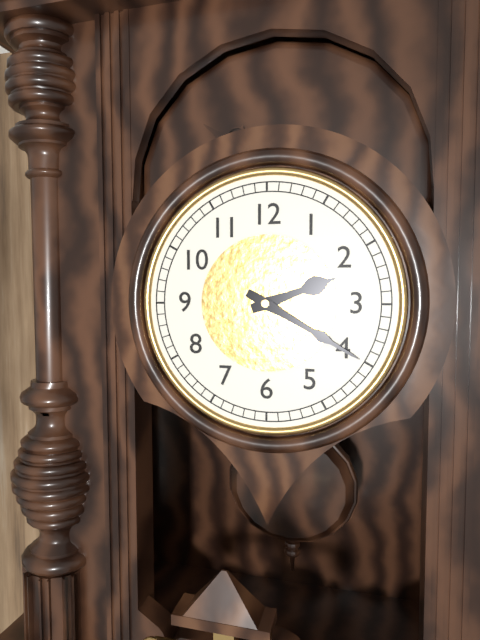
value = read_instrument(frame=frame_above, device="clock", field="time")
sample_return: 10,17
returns 2,20
